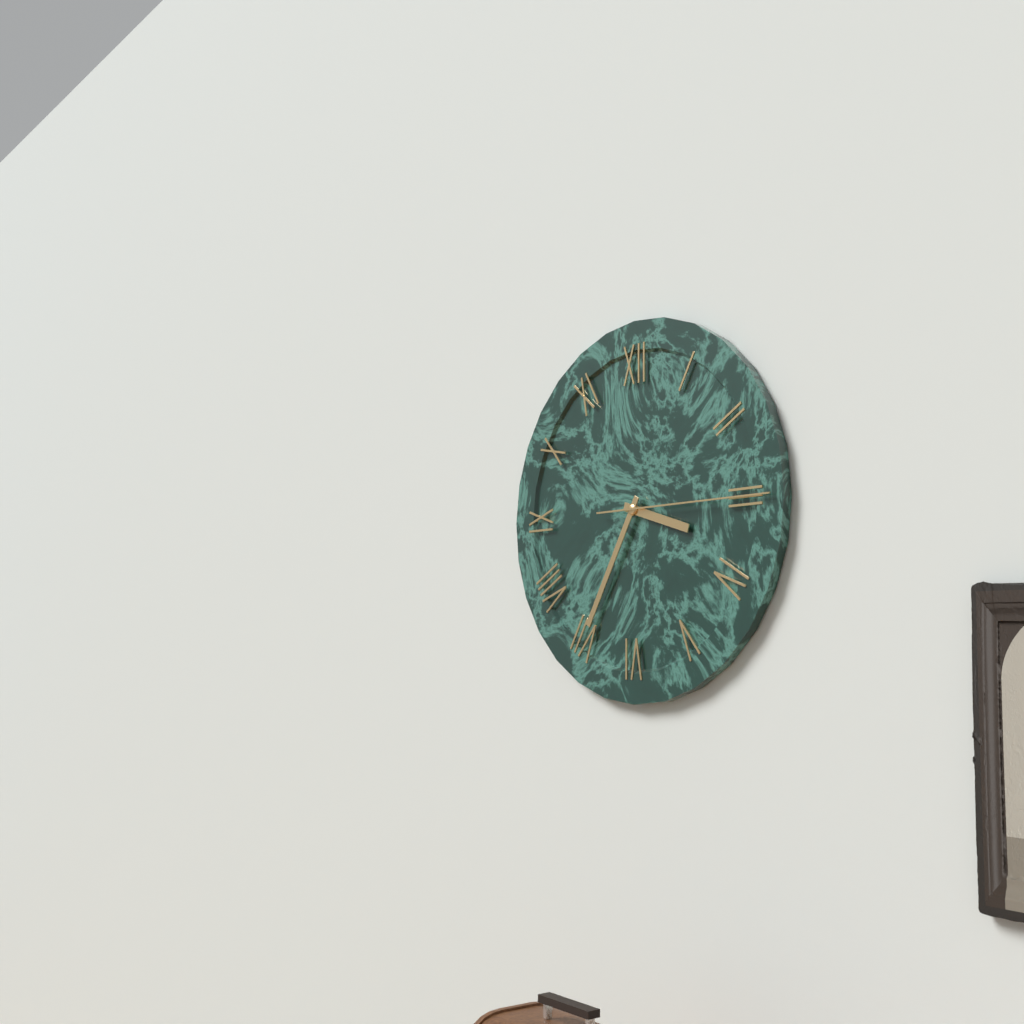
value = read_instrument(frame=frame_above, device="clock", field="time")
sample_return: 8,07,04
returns 3,35,15
